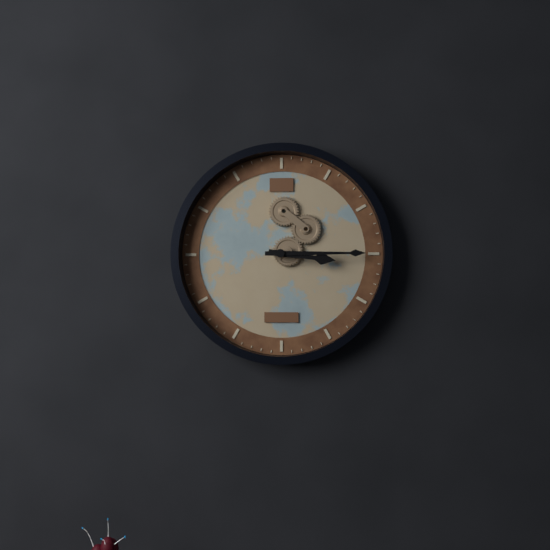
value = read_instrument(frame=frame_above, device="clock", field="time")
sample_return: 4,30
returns 3,15
